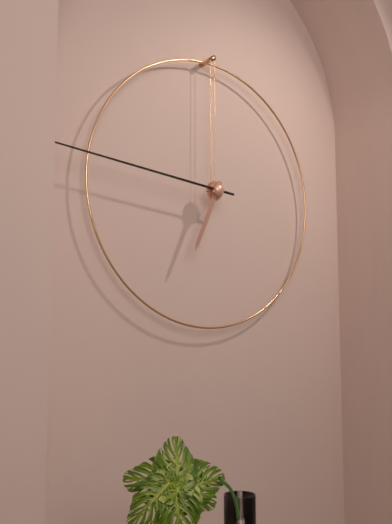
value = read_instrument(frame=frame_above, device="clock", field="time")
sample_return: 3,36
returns 6,46
